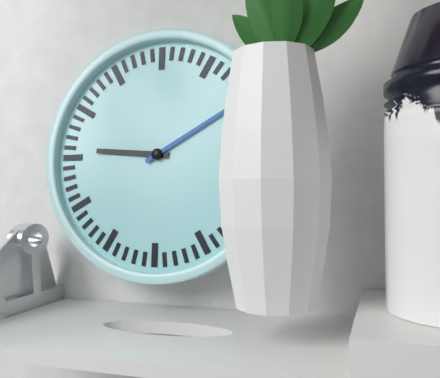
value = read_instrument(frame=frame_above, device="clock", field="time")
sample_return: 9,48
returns 9,10
